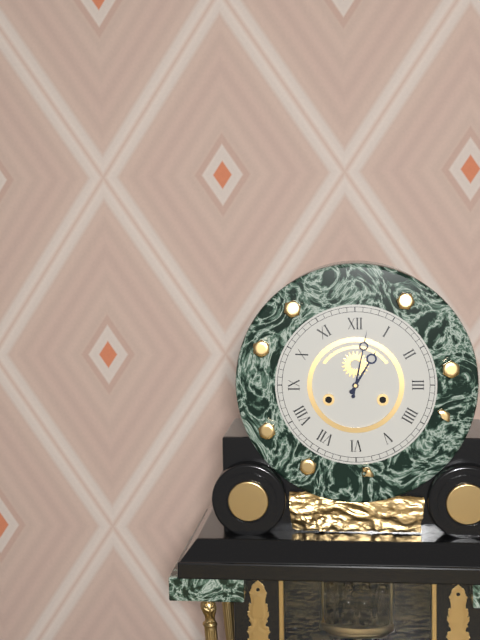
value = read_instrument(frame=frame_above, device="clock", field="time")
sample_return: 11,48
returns 1,02
